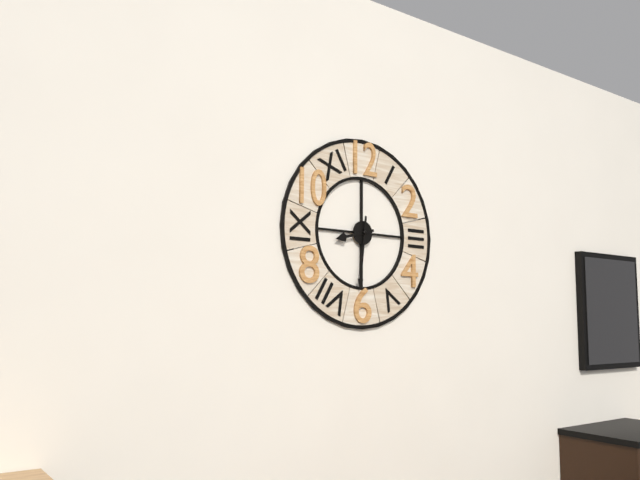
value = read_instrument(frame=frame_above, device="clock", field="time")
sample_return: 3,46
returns 8,31
